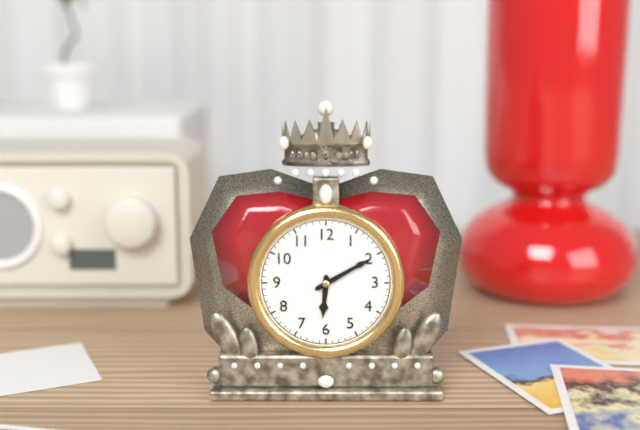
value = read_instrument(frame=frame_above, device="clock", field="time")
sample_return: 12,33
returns 6,10
